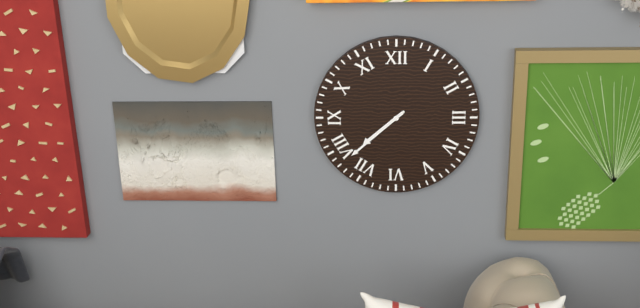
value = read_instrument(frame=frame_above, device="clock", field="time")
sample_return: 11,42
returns 7,38
